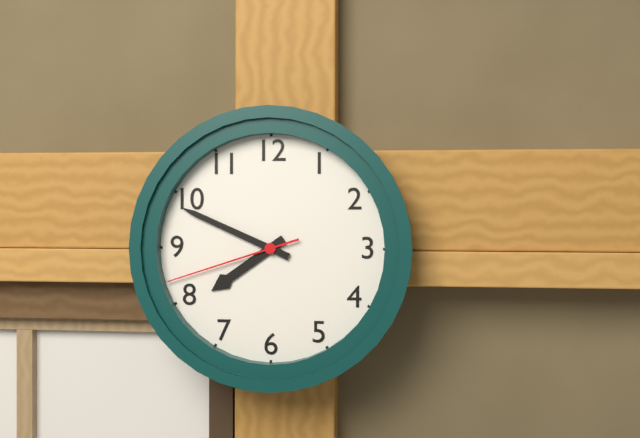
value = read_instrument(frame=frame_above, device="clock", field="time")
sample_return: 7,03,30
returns 7,49,42
